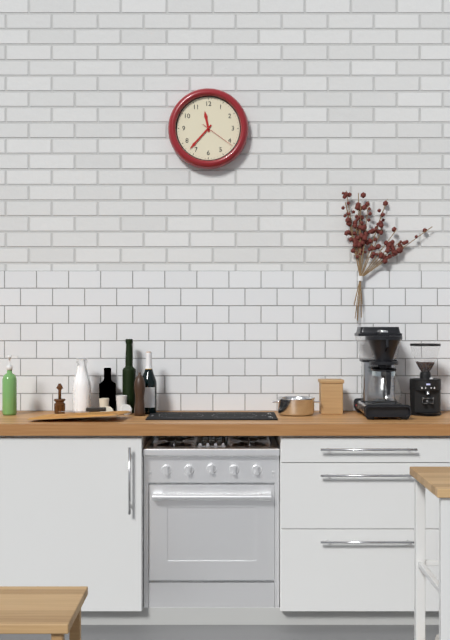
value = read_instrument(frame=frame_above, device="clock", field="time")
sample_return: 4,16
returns 11,37
